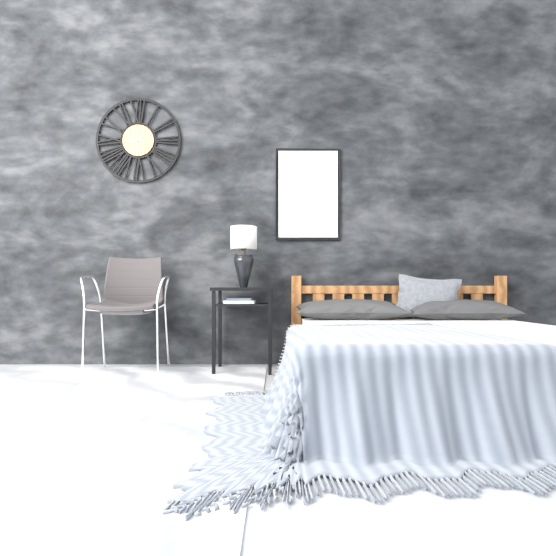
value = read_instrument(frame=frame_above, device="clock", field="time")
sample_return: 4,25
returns 8,44
